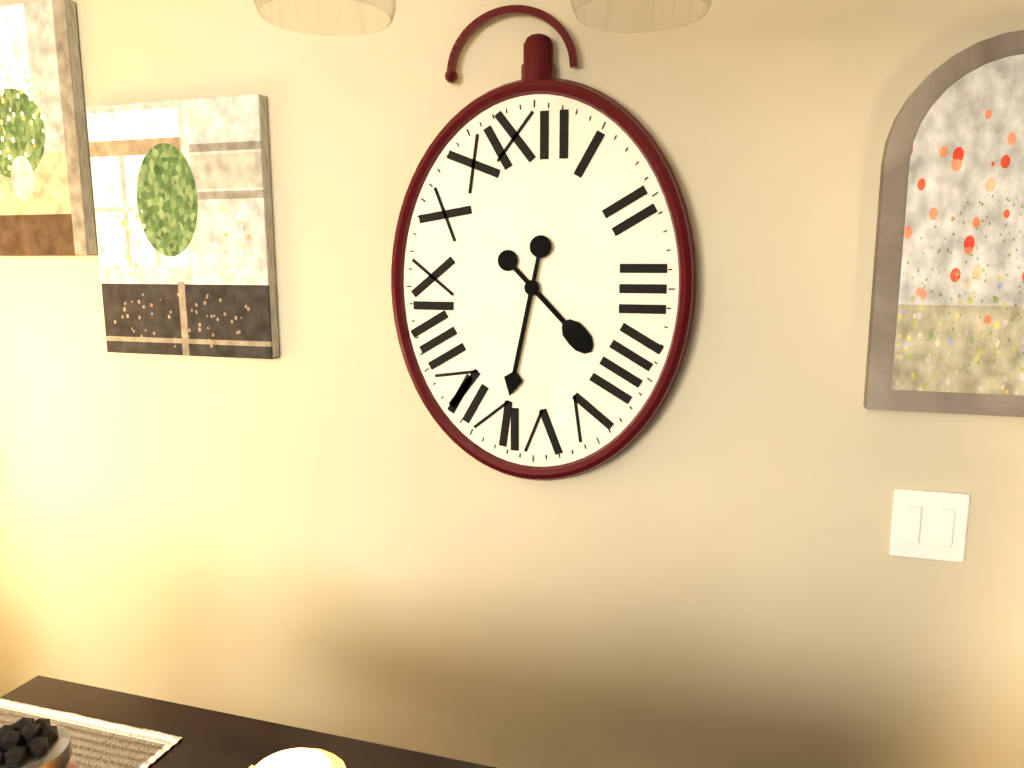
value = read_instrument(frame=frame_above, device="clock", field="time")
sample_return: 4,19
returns 4,32
